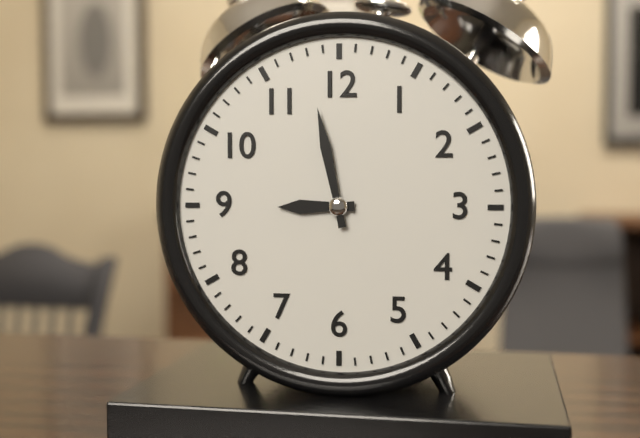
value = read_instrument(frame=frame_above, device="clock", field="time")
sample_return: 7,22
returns 8,58
